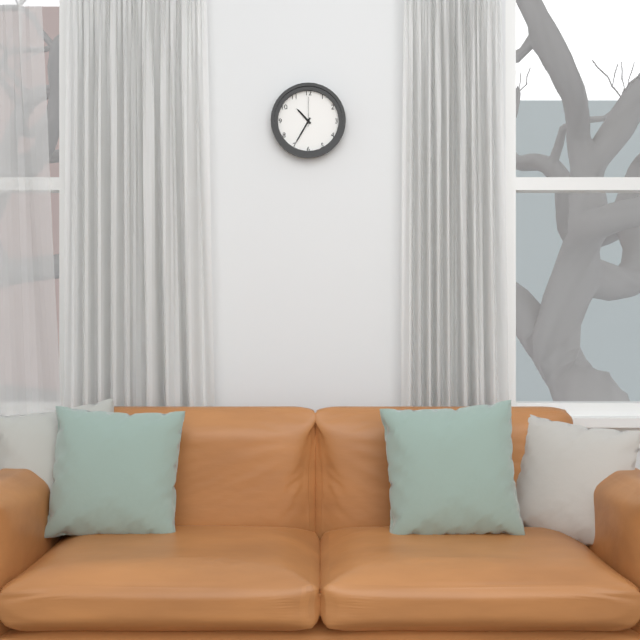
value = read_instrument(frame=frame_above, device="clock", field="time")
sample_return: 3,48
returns 10,35
